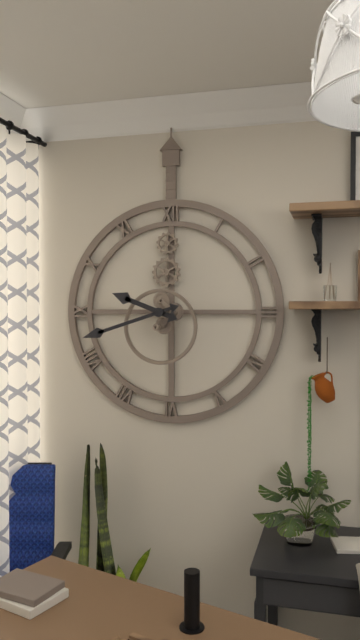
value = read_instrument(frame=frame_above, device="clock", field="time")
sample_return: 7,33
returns 9,42
